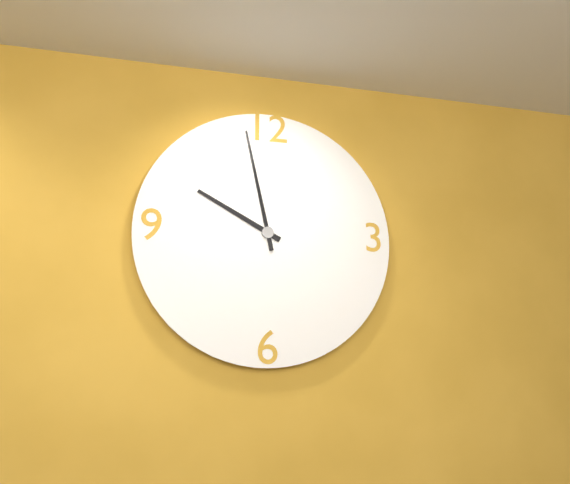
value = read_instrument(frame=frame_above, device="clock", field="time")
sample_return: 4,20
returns 9,58
